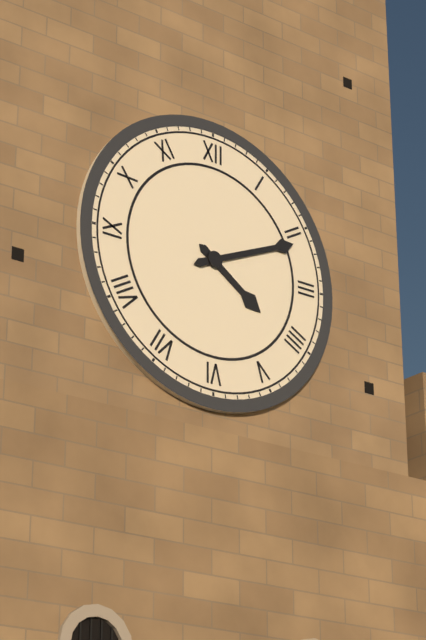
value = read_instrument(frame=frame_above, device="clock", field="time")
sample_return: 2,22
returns 4,11
